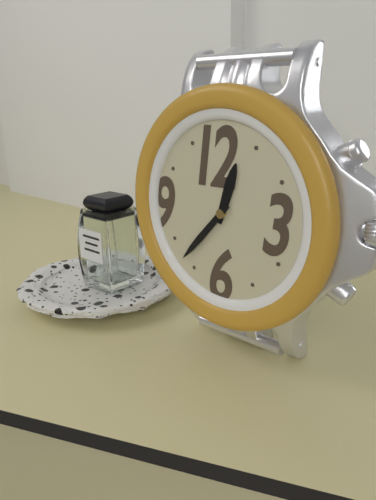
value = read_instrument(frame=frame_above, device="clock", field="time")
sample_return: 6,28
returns 12,37
